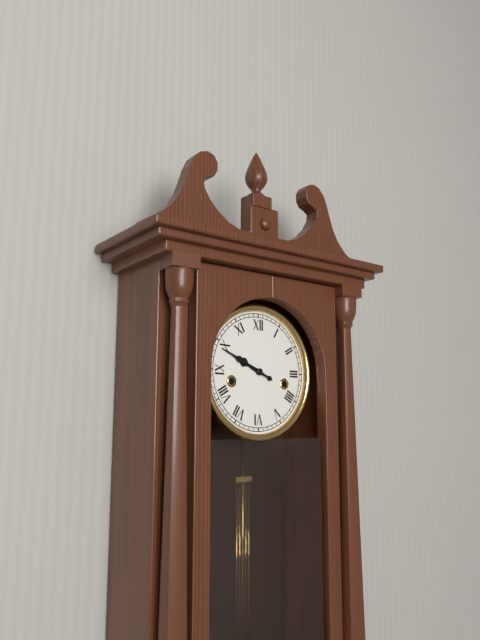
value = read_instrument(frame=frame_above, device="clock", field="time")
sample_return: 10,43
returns 9,49
